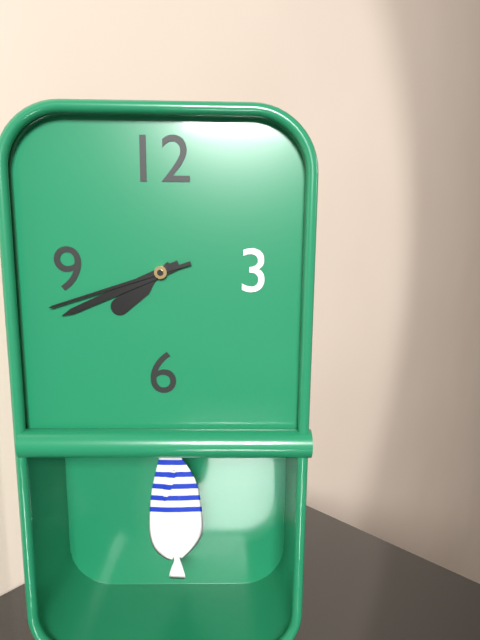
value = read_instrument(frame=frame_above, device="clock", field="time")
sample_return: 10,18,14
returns 7,41,42
